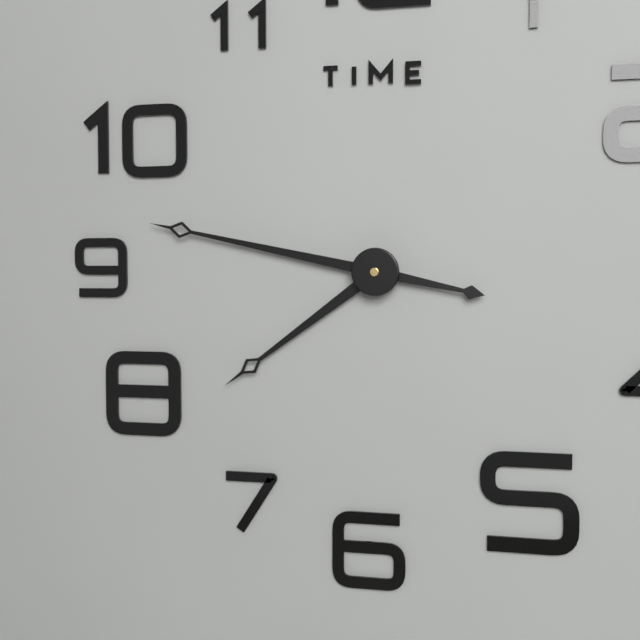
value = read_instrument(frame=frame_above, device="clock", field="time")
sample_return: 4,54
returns 7,47
